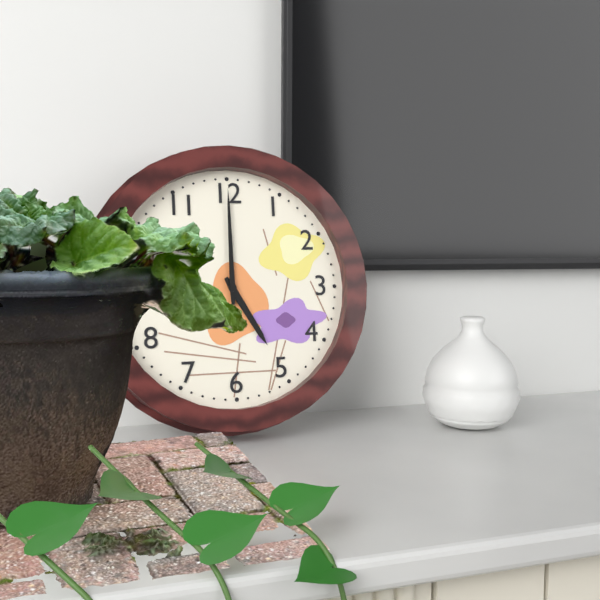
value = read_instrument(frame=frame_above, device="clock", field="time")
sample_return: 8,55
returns 5,00
